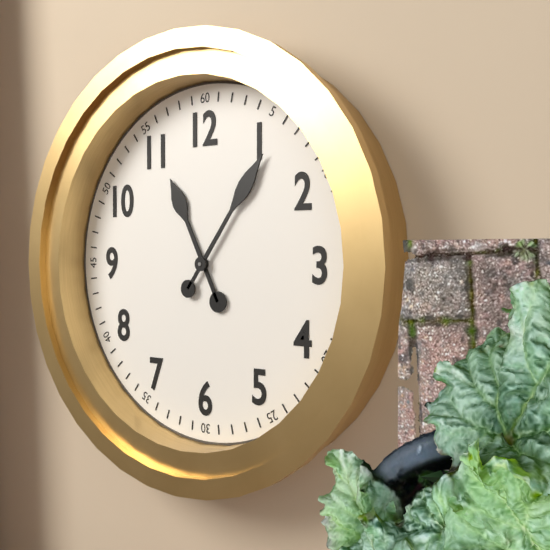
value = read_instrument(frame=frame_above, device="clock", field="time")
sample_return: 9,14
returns 11,06
